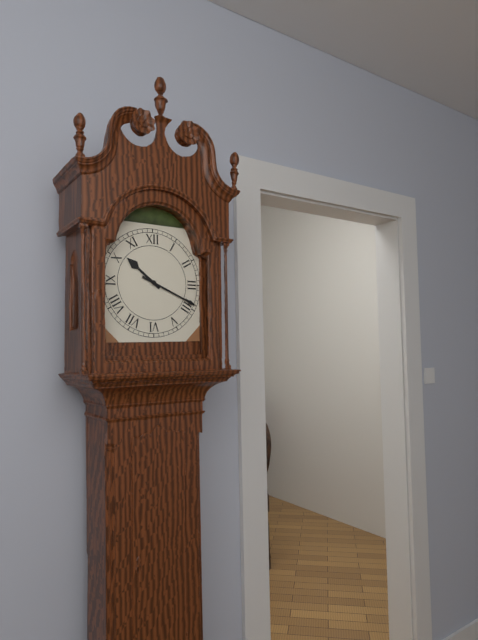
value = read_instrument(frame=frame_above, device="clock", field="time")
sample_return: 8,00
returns 10,19
